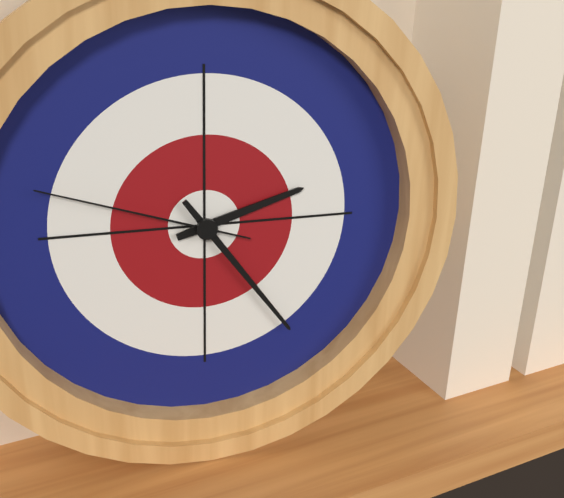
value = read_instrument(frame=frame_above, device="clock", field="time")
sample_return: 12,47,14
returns 2,24,48
